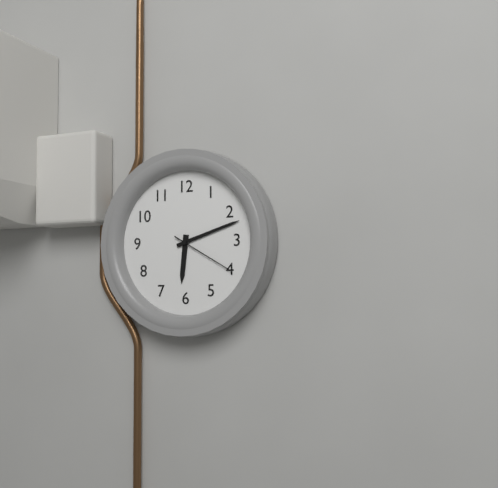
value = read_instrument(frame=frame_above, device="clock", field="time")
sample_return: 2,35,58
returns 6,12,20
